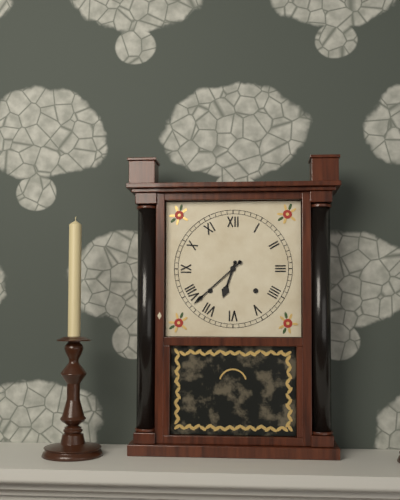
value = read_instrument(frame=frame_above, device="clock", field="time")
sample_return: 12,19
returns 6,38
